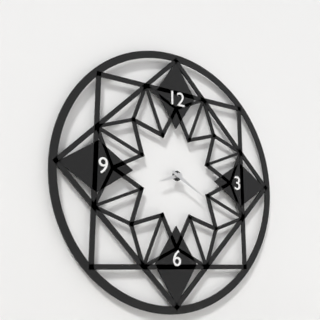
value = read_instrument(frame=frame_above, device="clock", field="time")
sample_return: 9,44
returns 8,20
